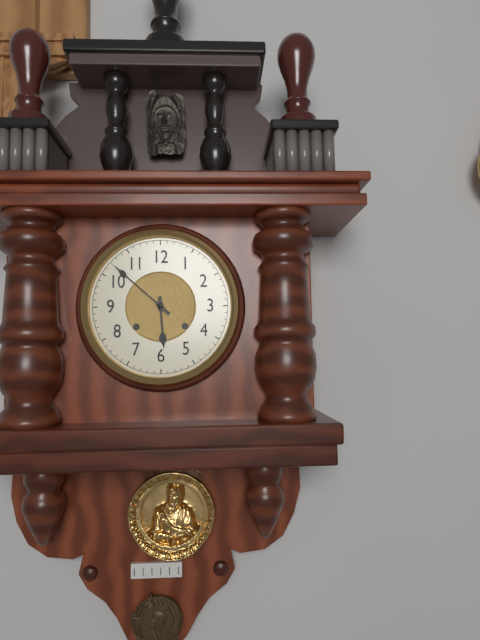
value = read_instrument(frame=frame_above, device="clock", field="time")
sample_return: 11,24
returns 5,52
